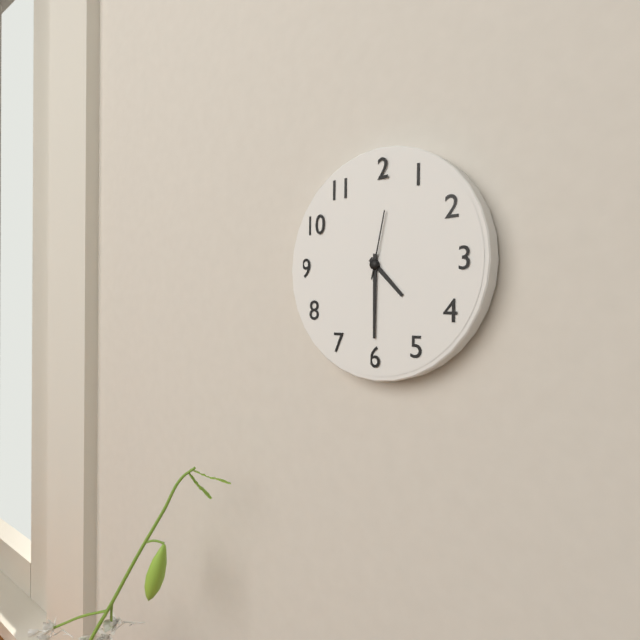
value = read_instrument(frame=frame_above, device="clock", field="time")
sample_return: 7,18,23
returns 4,30,02
